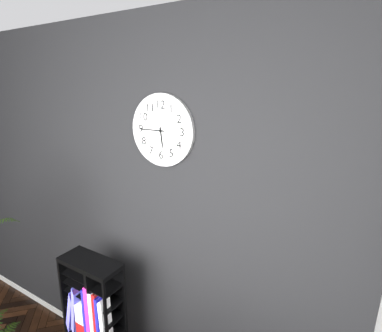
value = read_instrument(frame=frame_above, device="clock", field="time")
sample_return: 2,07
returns 5,45
